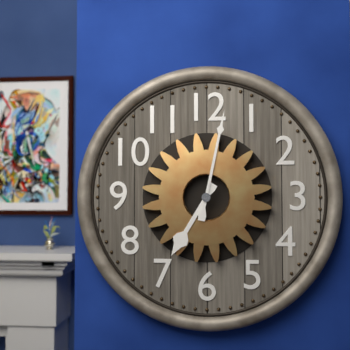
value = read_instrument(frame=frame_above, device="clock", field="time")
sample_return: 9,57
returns 7,02
